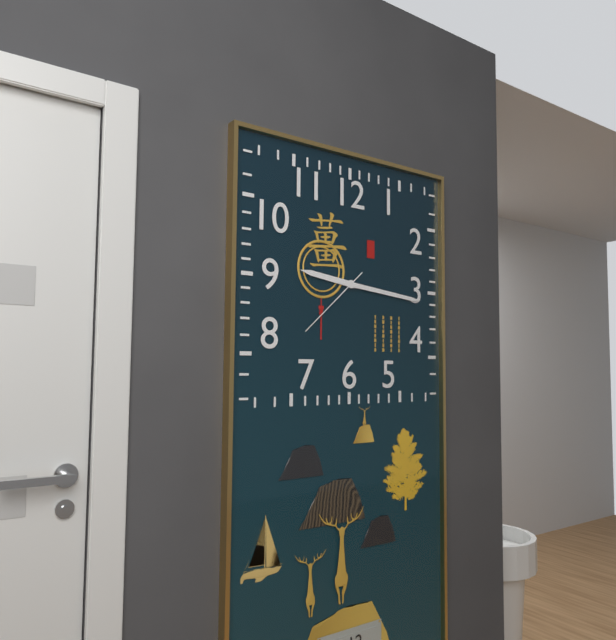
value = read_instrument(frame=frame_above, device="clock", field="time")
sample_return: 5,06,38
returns 9,16,38
